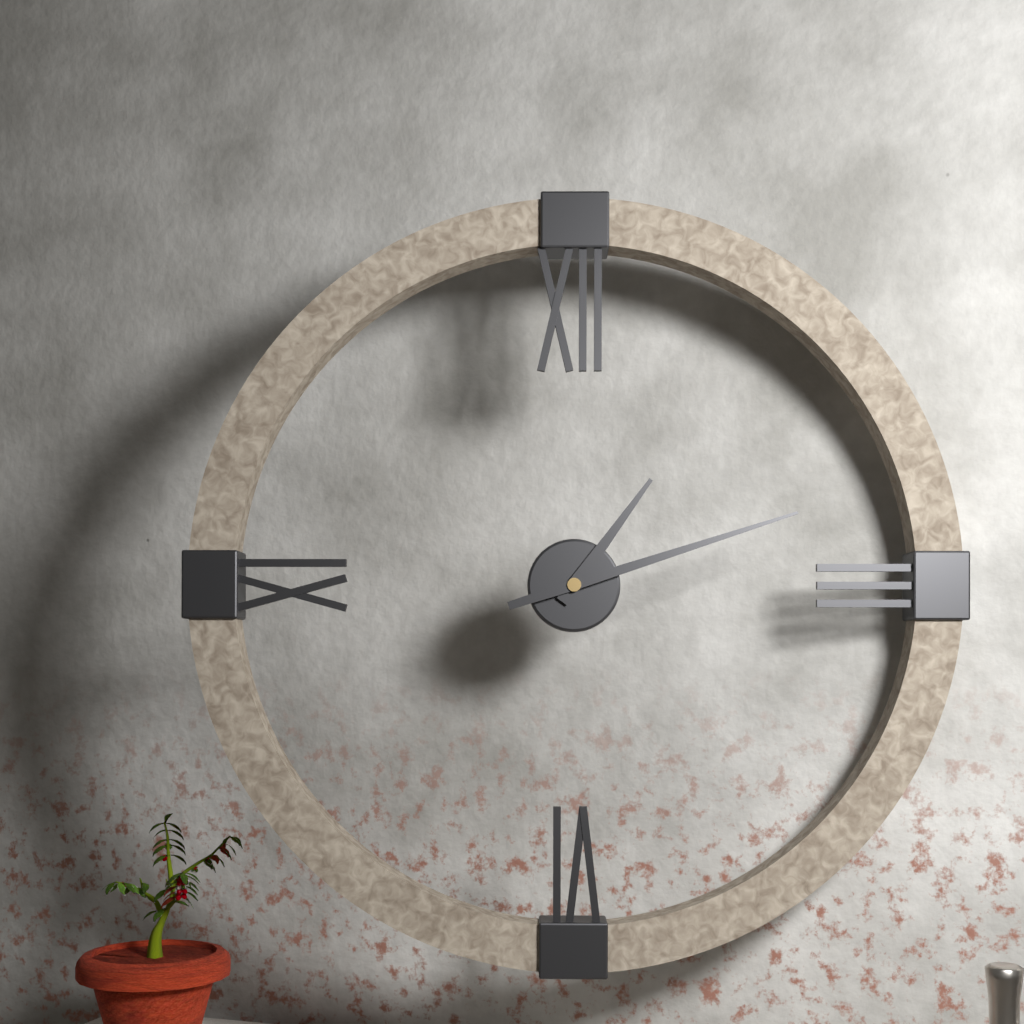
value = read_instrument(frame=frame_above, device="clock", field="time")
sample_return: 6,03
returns 1,12
